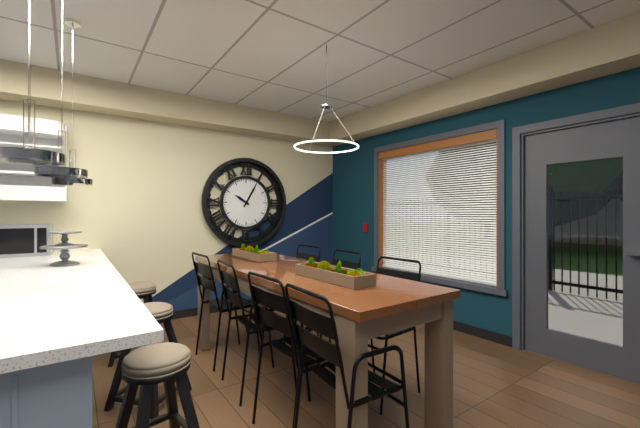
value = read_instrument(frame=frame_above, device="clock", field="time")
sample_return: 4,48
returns 10,05
